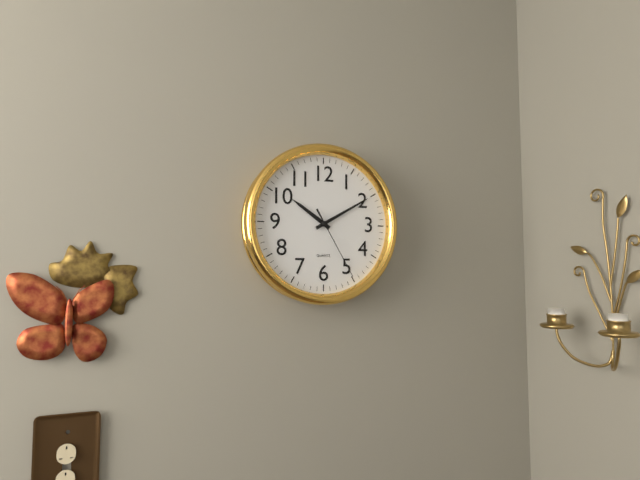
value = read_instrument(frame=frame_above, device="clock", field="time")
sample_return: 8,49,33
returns 10,10,25
